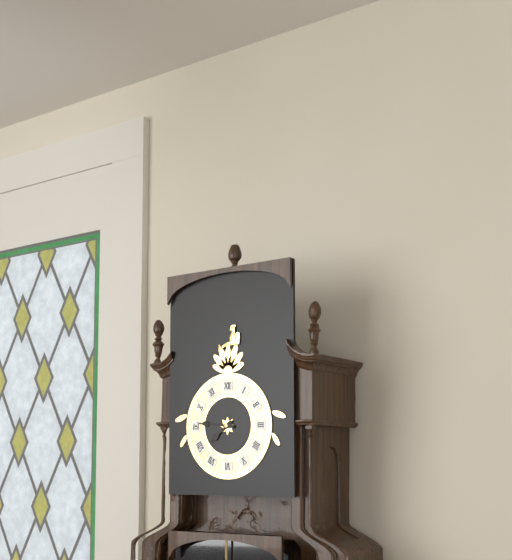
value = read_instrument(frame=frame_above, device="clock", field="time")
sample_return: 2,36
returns 7,46
